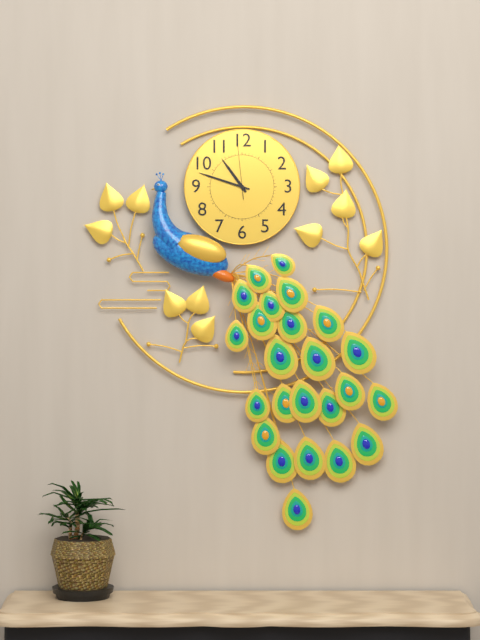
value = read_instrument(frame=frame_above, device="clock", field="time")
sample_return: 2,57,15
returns 10,48,59
